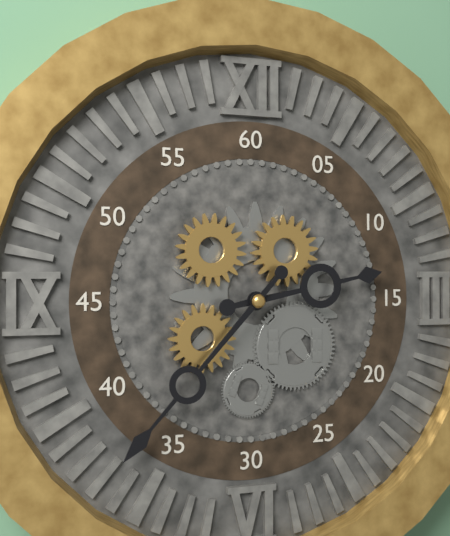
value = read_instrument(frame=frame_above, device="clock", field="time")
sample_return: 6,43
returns 2,37
